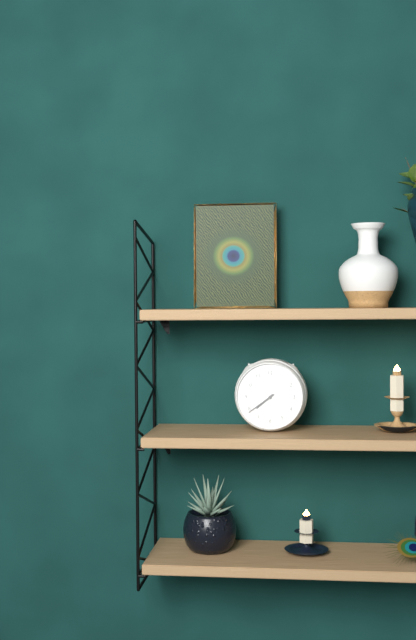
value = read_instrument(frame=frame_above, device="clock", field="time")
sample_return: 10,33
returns 7,39
